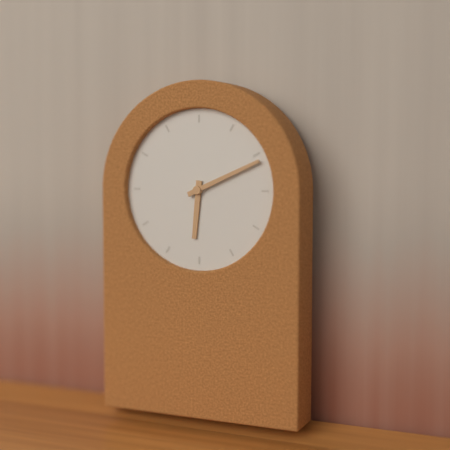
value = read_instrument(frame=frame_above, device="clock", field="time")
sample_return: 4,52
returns 6,11
